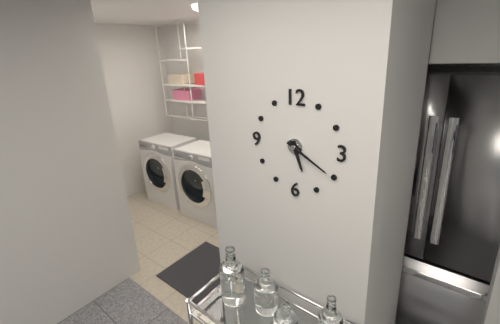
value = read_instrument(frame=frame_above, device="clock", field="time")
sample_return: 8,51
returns 5,20
